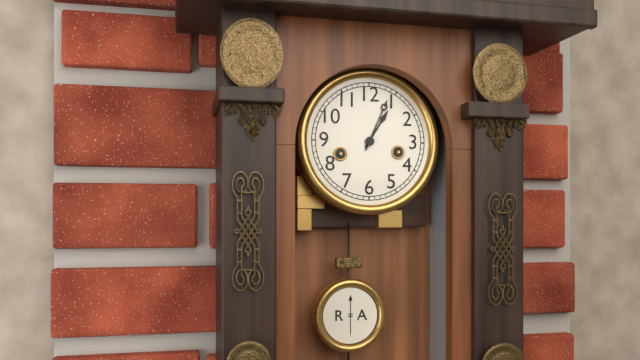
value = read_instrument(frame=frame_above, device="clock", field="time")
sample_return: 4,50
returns 1,04
